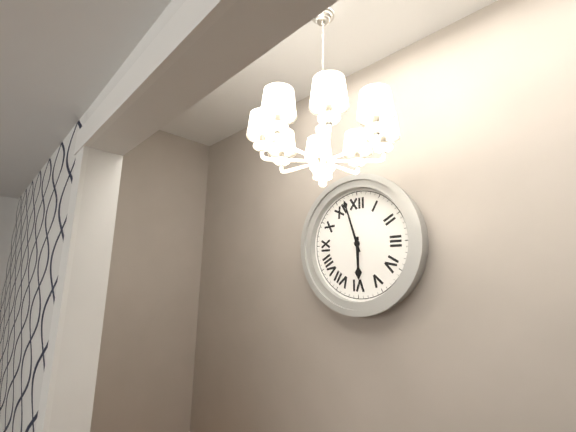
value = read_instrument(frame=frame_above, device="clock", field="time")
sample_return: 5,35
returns 5,57
